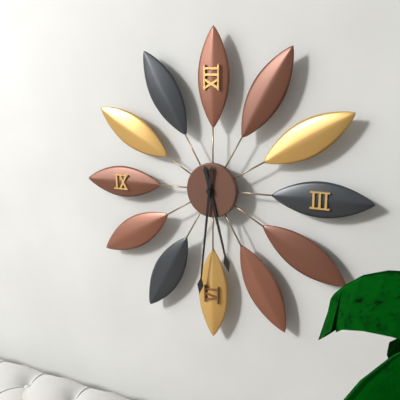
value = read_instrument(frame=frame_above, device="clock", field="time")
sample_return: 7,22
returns 5,31
